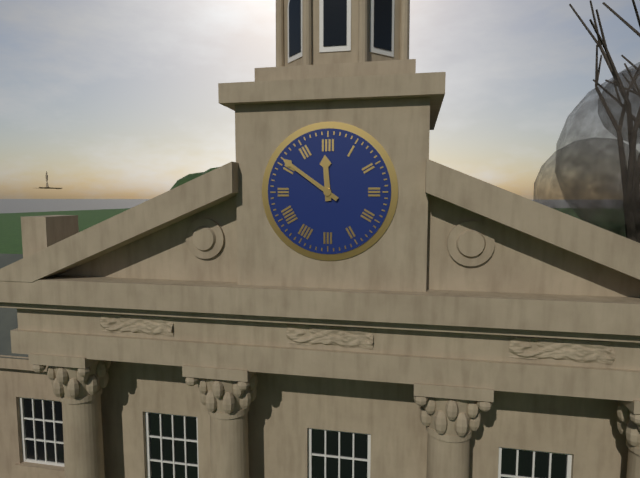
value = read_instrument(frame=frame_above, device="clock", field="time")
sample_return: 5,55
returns 11,51
